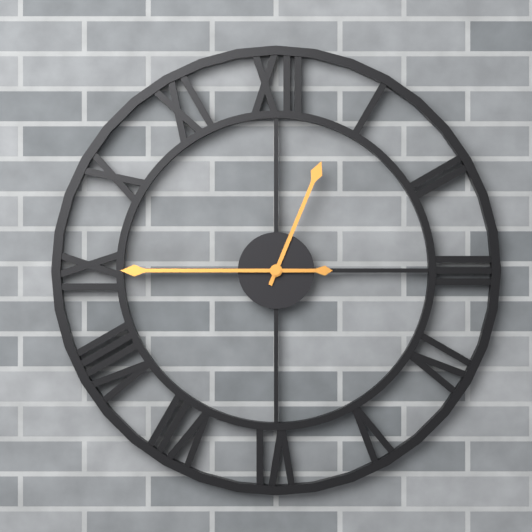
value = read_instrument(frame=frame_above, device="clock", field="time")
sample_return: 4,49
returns 12,45
